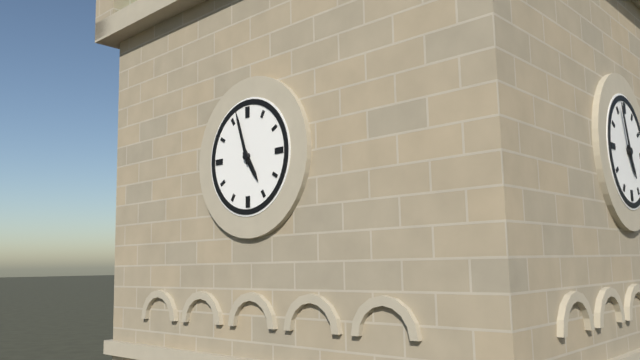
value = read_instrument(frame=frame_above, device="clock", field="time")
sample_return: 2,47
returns 4,57
